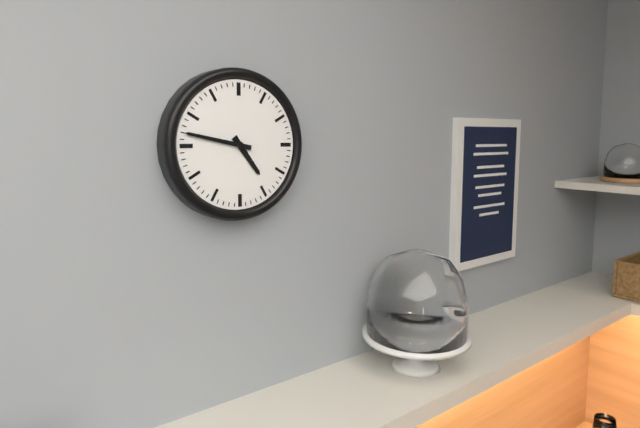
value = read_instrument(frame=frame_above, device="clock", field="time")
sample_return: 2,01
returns 4,47
